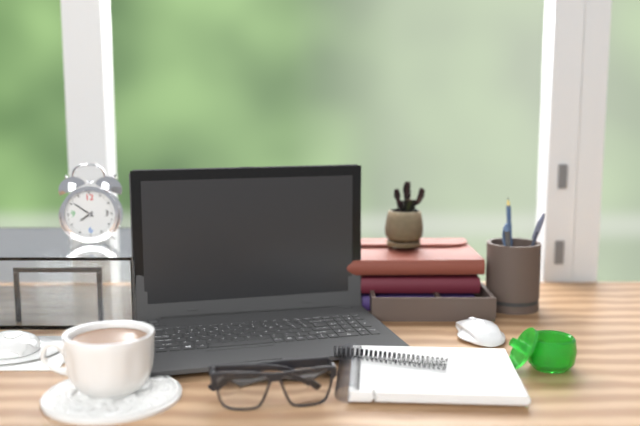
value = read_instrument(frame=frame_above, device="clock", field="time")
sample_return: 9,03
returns 7,51
